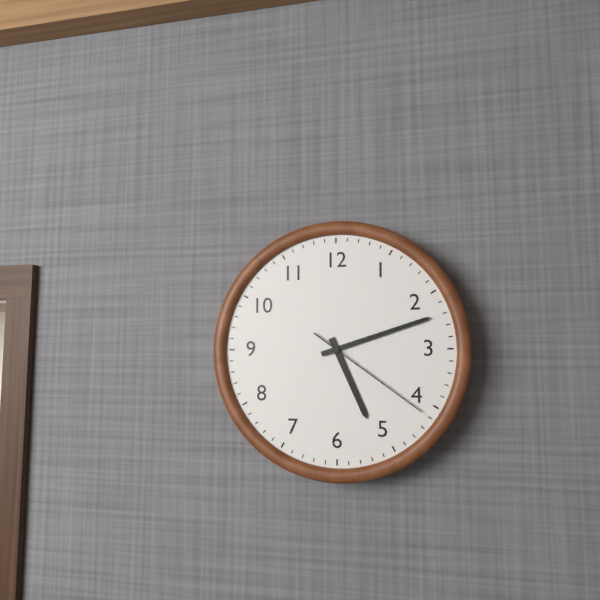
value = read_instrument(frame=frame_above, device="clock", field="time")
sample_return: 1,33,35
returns 5,12,21
